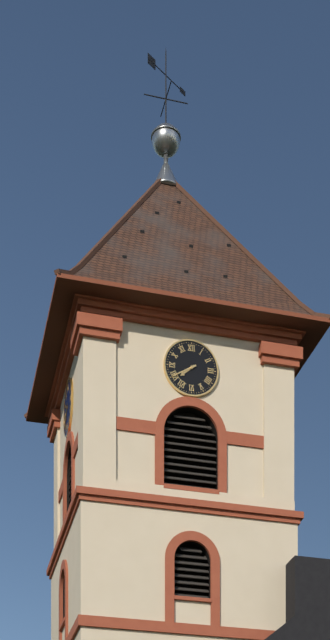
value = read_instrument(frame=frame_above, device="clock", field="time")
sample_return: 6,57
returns 7,40
